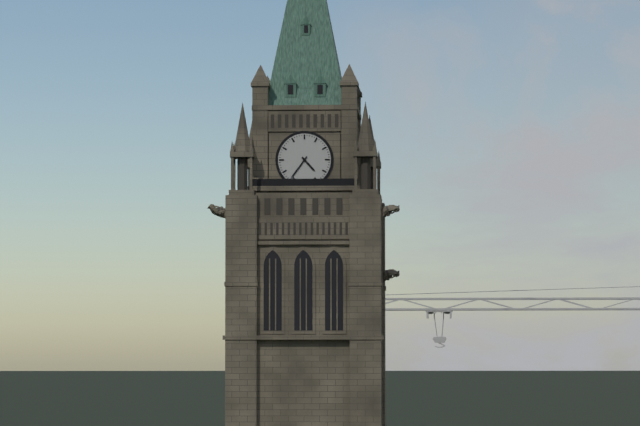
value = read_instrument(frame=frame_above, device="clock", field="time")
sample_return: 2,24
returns 4,36
